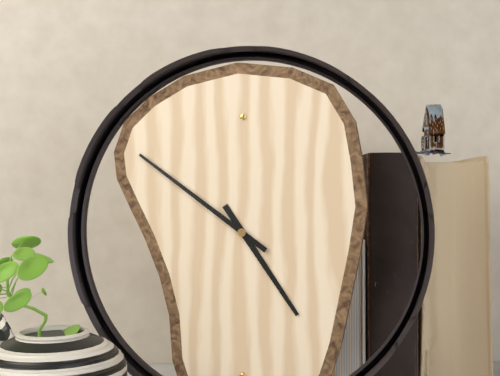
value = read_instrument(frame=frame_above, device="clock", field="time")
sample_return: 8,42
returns 4,51
